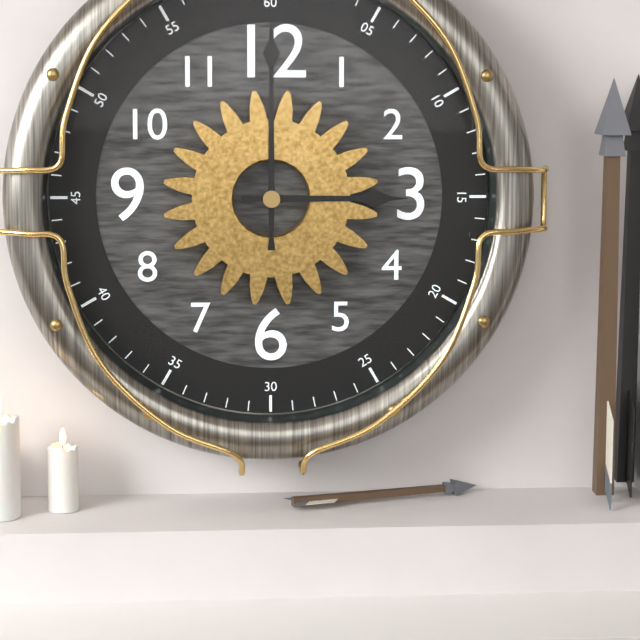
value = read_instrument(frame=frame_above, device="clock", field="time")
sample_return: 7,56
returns 3,00
